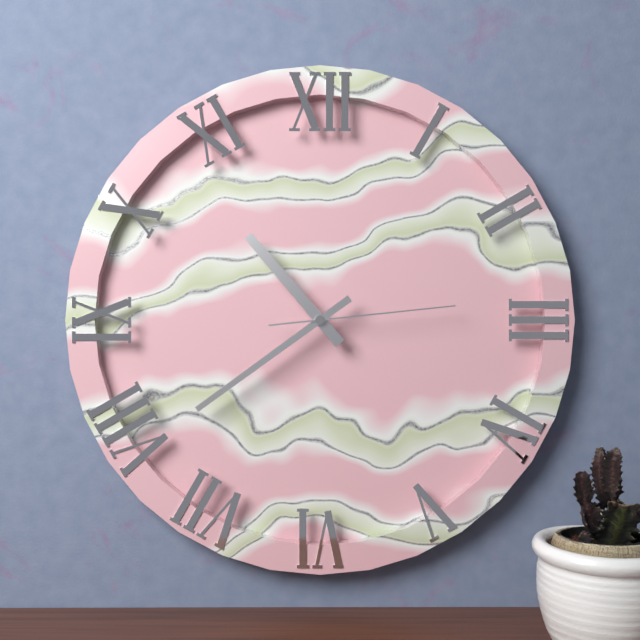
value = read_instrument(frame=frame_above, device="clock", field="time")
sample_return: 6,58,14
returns 10,39,14
